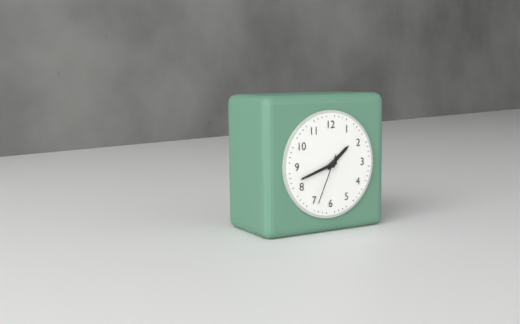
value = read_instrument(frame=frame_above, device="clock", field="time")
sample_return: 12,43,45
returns 1,42,34
